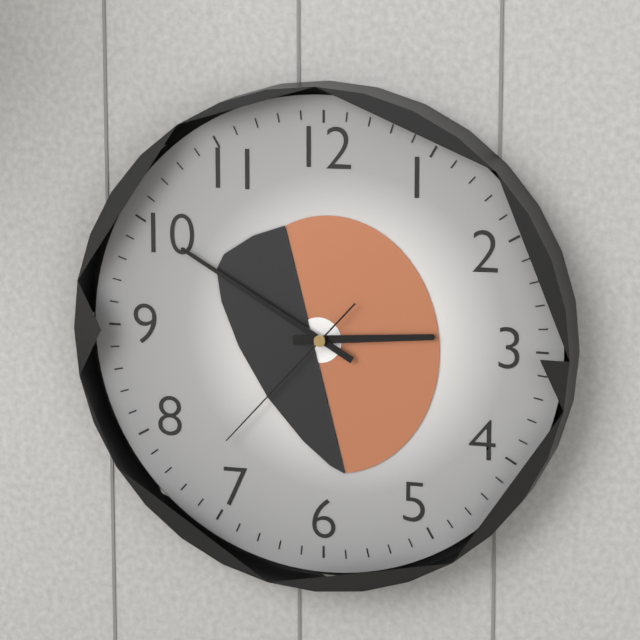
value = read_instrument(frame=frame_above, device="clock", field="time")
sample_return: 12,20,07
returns 2,50,37
